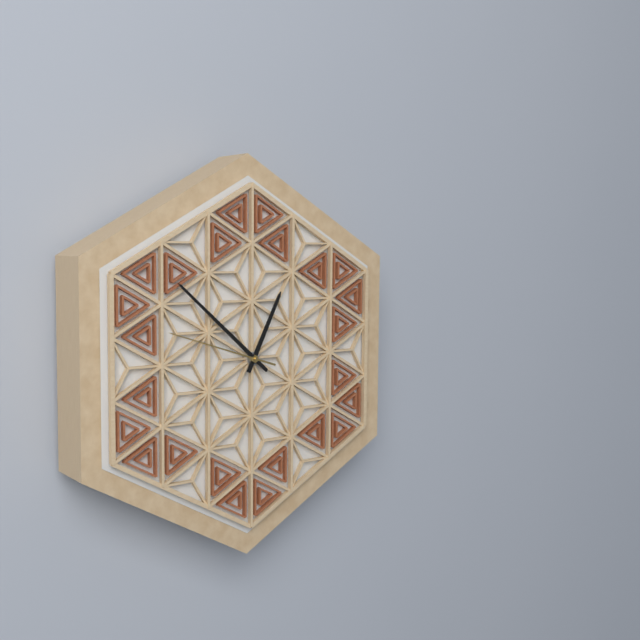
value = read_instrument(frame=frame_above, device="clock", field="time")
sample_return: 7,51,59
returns 12,52,48
